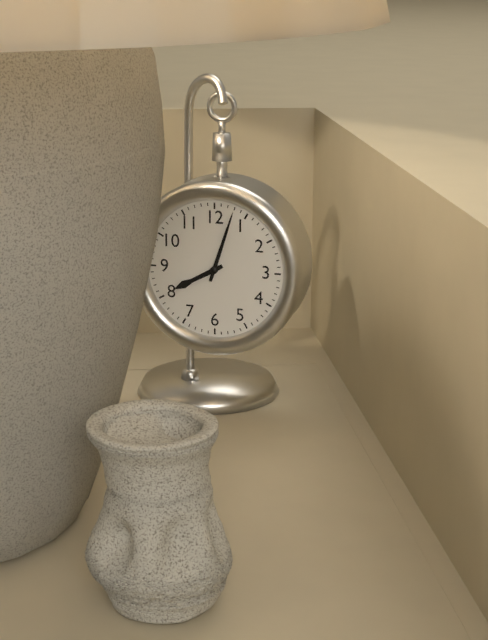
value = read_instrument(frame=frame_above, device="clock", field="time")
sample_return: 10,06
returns 8,03
